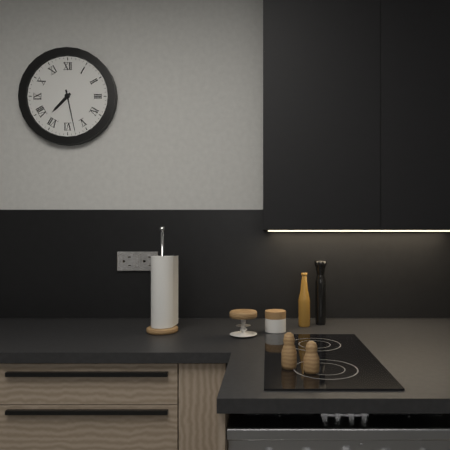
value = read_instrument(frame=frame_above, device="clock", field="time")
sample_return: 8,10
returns 7,28
